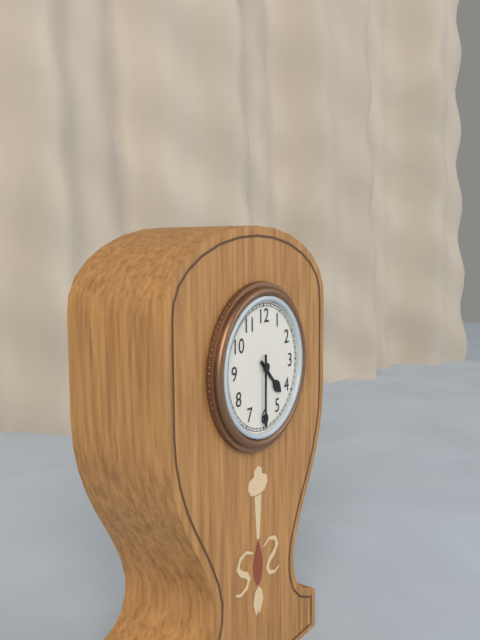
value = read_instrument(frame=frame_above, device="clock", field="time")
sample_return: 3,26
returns 4,30
